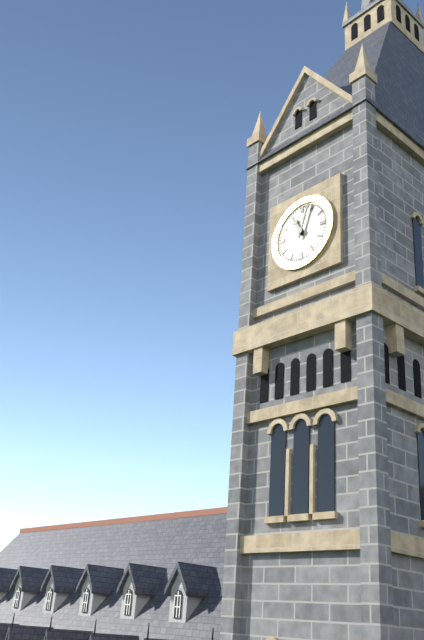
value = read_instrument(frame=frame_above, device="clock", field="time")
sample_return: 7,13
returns 11,03
